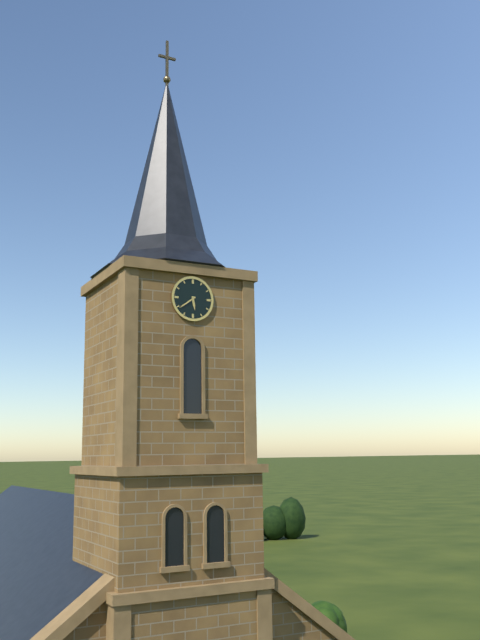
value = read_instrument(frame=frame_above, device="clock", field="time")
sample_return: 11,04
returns 5,39
